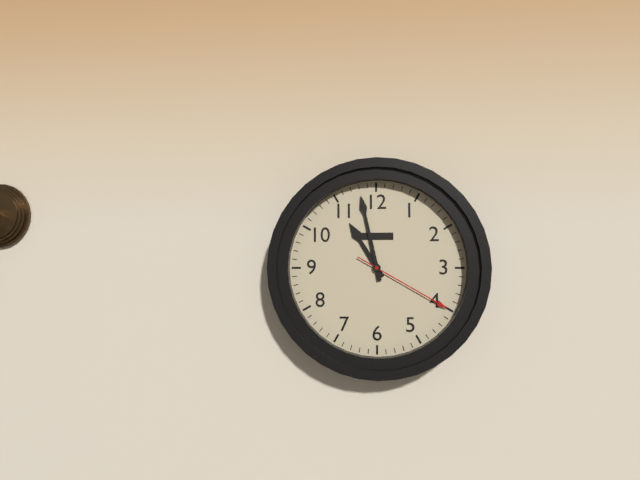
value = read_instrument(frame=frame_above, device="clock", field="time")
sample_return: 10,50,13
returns 10,58,20
